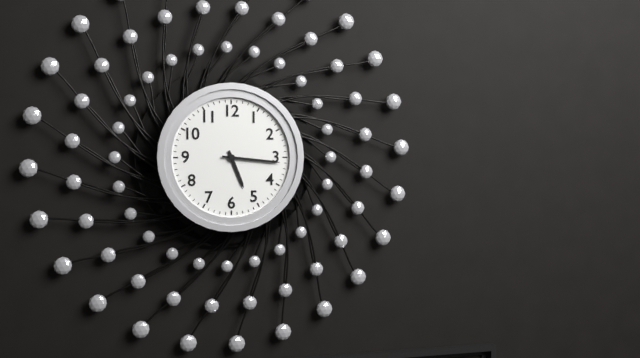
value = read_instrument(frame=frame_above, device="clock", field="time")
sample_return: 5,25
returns 5,16
